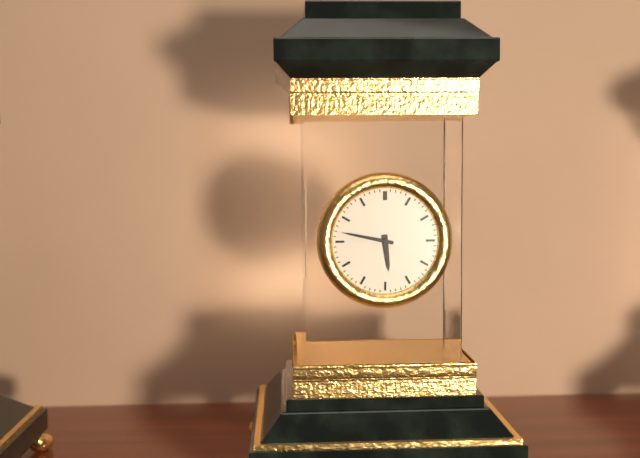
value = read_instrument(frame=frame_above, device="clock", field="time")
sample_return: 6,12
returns 5,47
